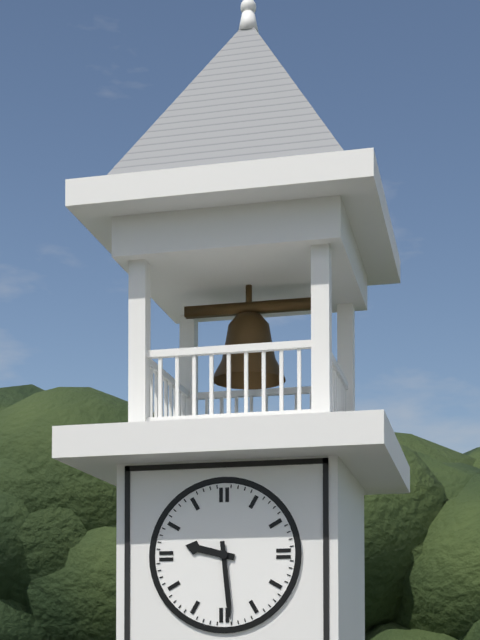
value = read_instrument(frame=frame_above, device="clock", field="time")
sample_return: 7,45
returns 9,29
